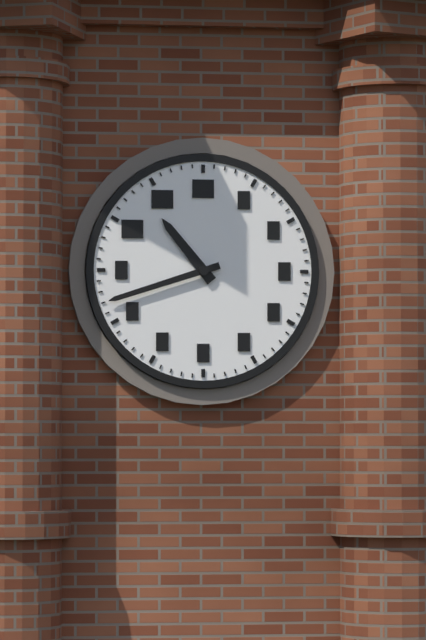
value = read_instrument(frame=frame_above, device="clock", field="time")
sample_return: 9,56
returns 10,42
